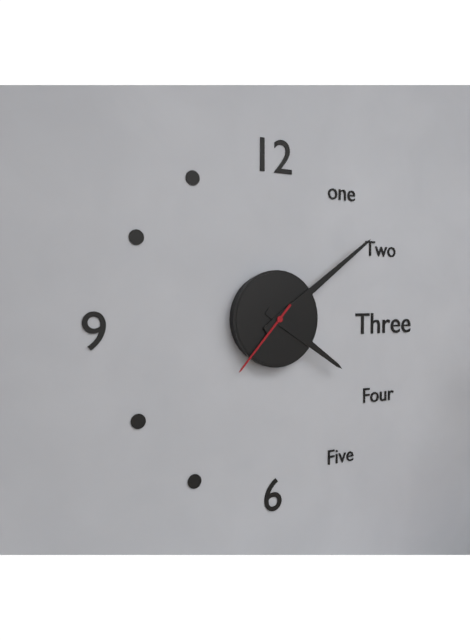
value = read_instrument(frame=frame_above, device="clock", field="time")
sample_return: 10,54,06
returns 4,09,37
